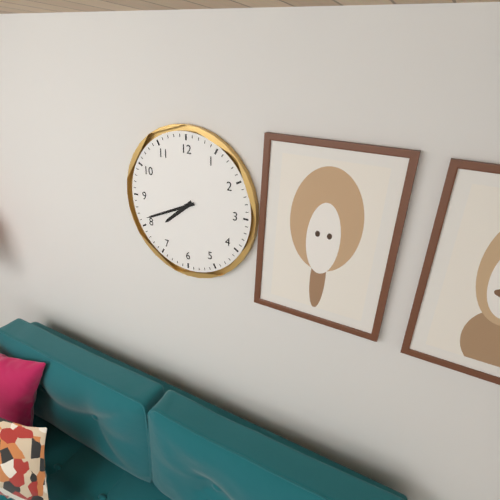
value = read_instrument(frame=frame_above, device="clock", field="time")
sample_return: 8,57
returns 7,41
